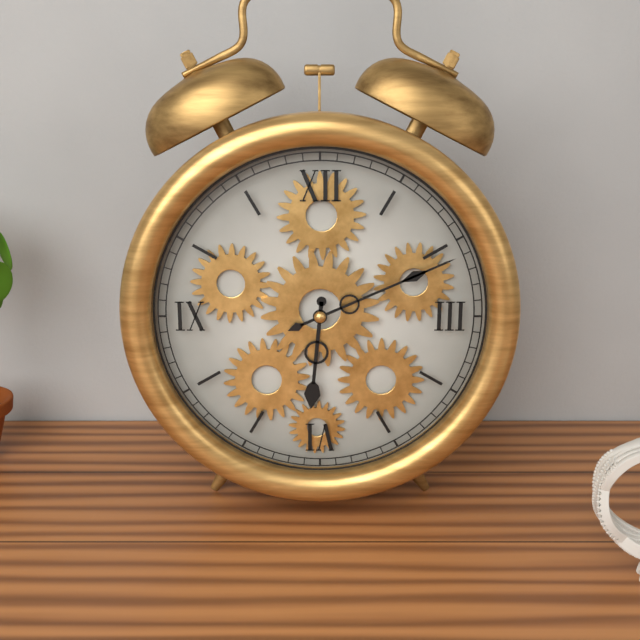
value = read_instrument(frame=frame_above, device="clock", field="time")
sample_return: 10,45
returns 6,11
